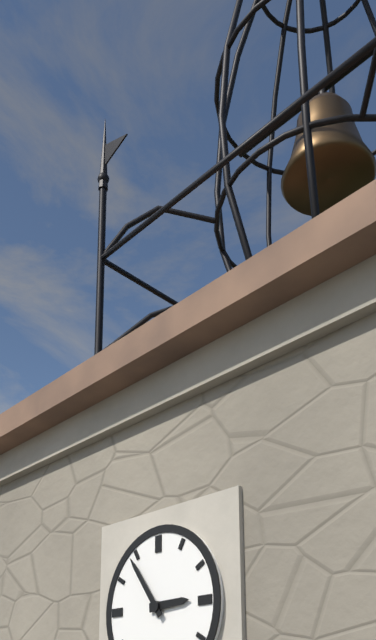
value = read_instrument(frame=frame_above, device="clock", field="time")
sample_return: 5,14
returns 2,54
